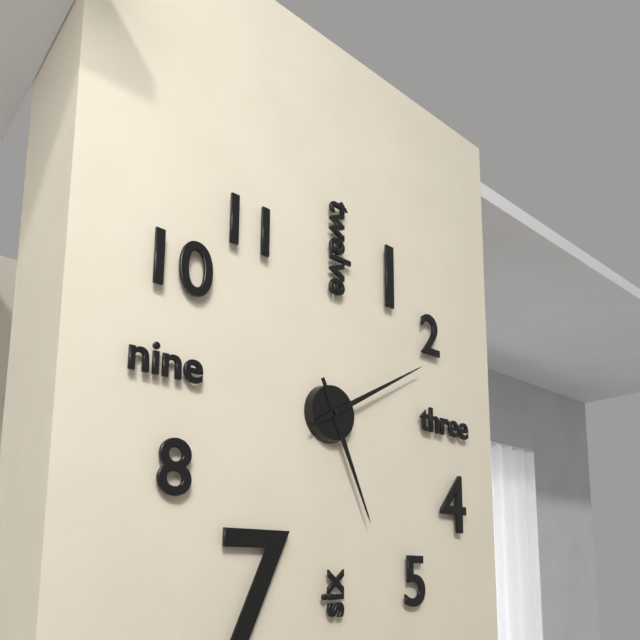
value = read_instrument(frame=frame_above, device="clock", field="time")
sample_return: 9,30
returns 5,10
